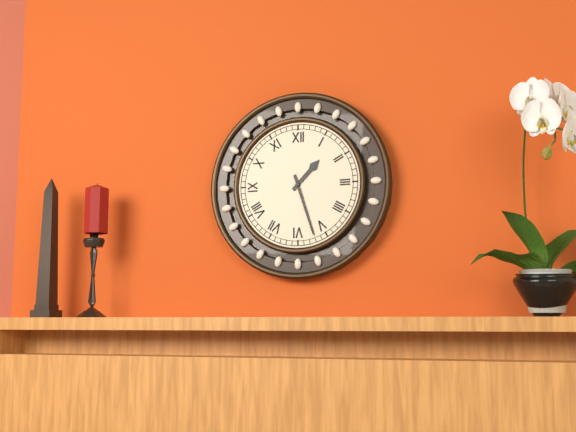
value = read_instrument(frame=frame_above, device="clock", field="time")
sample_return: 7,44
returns 1,27
